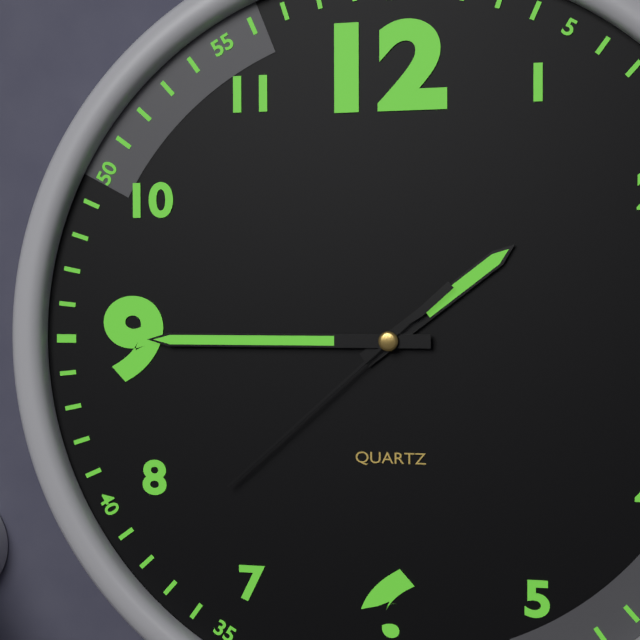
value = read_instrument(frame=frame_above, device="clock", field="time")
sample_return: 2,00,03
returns 1,45,38
